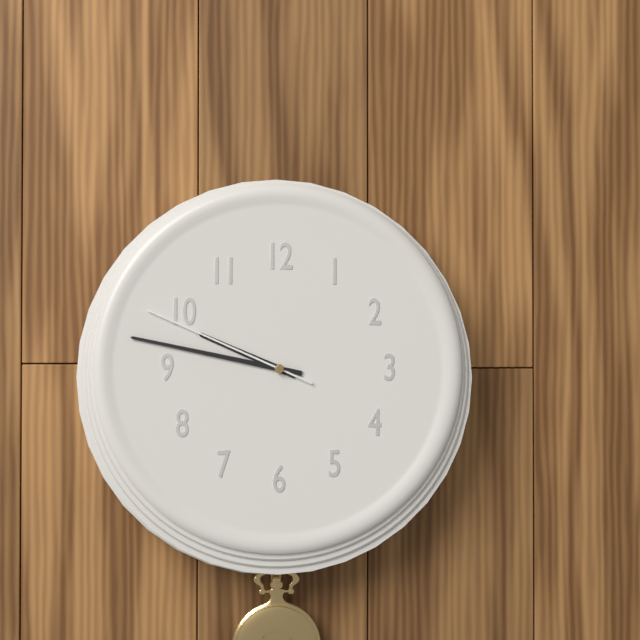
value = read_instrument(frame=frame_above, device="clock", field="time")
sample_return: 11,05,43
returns 9,47,49
